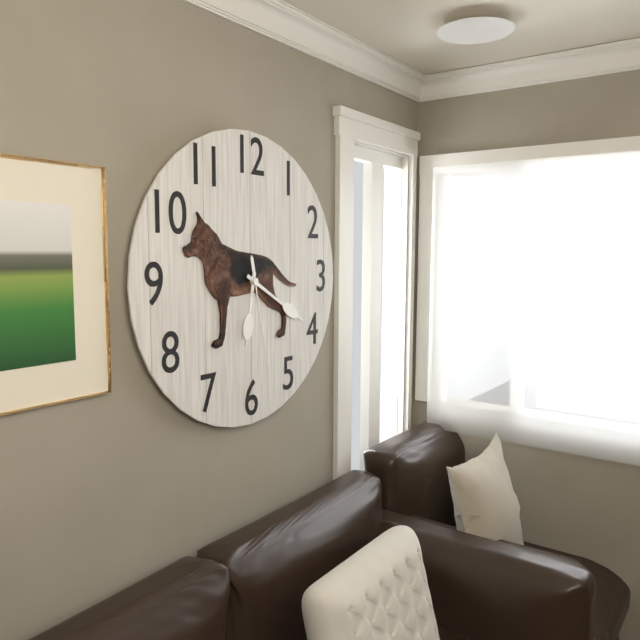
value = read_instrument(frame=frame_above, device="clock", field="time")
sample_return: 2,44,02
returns 6,20,28
